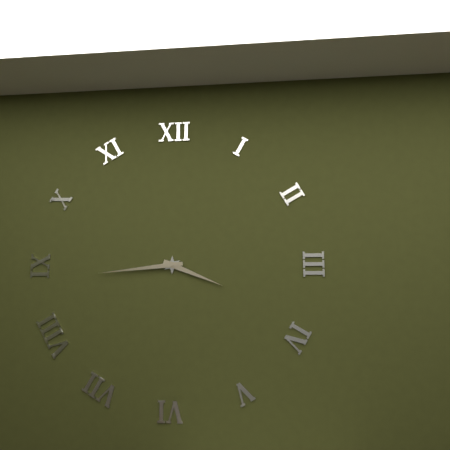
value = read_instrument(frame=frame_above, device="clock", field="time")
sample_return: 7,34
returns 3,44
